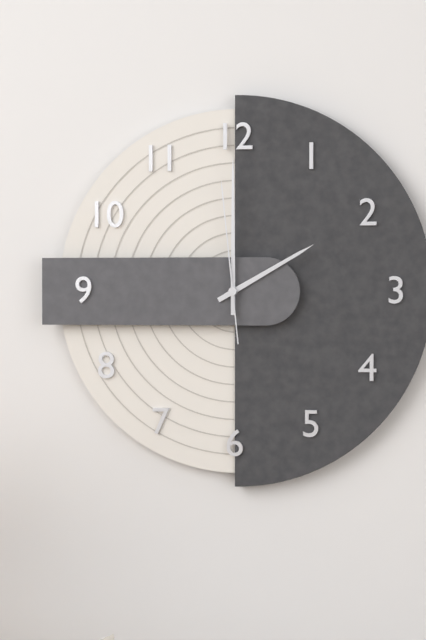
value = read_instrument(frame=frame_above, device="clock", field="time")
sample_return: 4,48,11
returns 2,00,59
